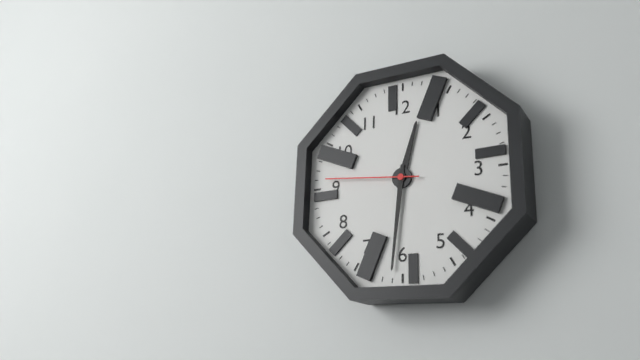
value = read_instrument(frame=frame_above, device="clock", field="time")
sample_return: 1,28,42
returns 12,31,46
